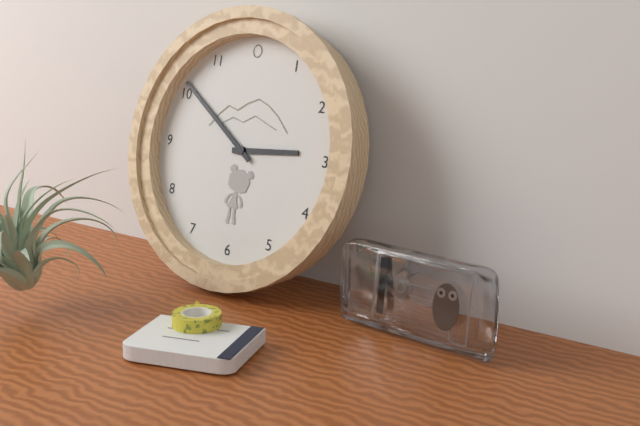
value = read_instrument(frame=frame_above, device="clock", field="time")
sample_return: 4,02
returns 2,51
